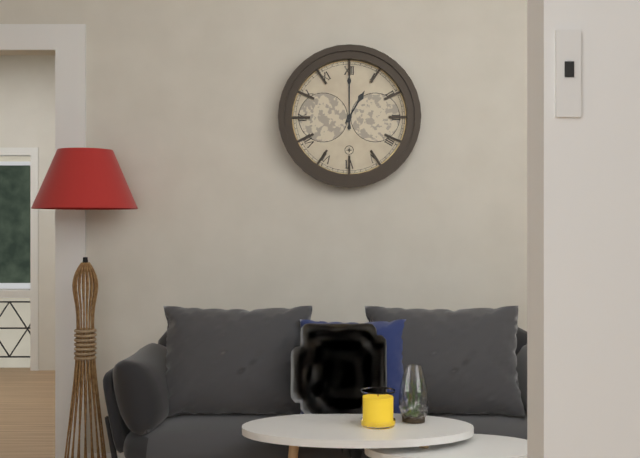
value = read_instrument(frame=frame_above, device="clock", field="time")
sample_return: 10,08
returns 1,00
